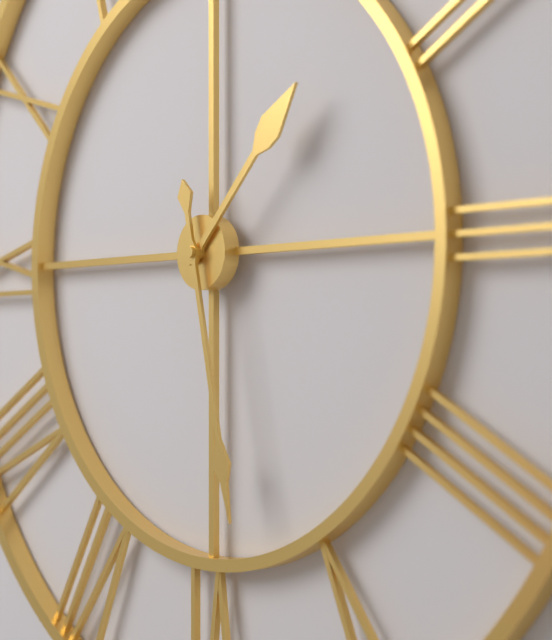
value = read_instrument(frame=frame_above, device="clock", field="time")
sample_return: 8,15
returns 1,28
